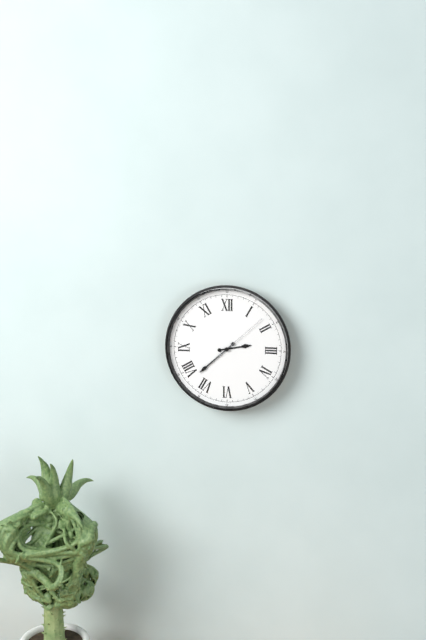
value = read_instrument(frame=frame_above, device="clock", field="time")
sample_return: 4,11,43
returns 2,38,08
